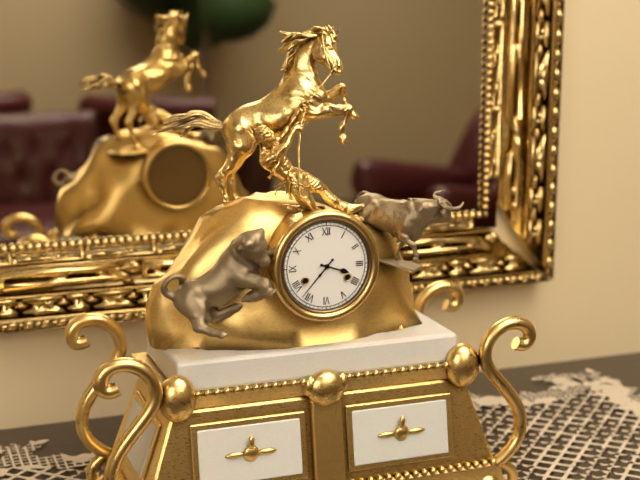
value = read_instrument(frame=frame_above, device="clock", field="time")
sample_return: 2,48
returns 3,37
